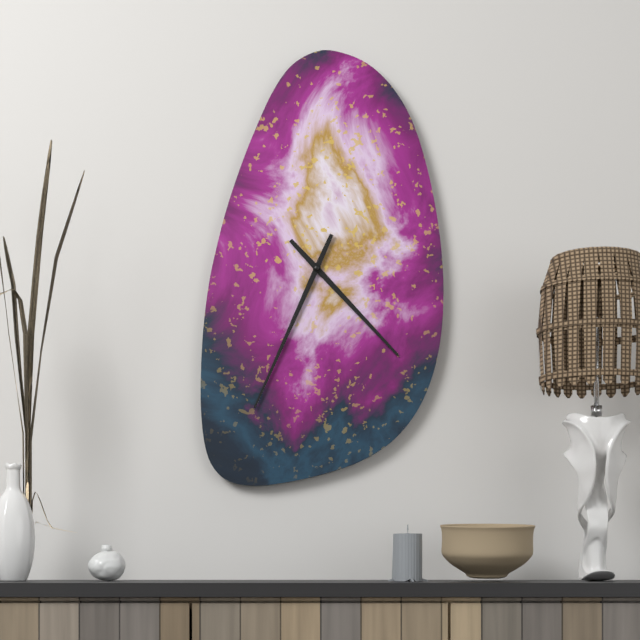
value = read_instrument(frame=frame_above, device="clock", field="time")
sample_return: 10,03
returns 4,34
